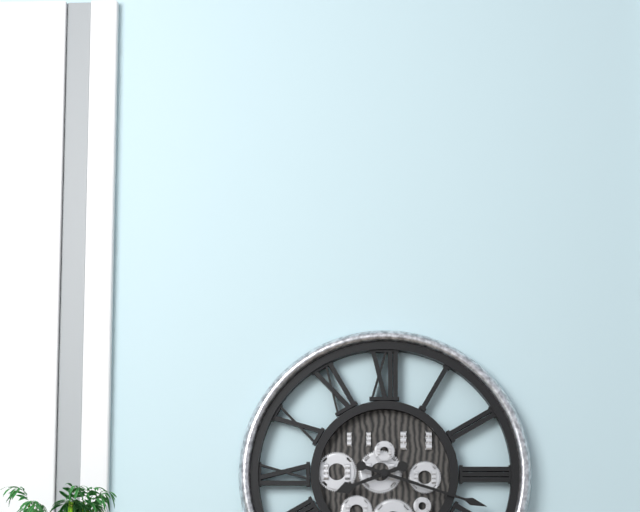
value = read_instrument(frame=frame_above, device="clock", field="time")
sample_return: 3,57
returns 8,18
